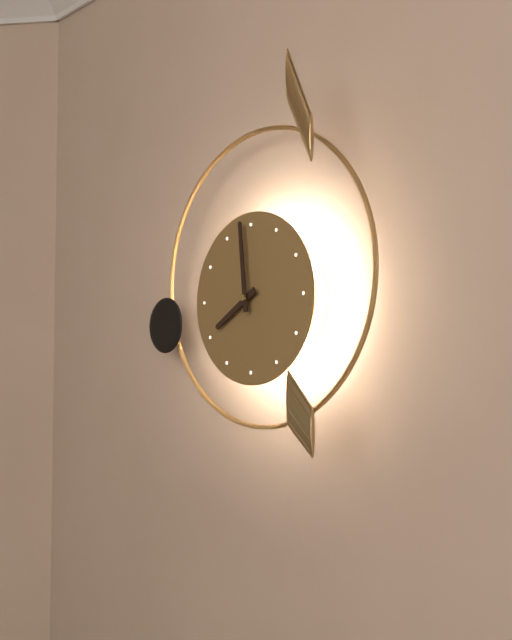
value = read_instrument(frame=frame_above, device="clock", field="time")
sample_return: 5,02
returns 7,59
